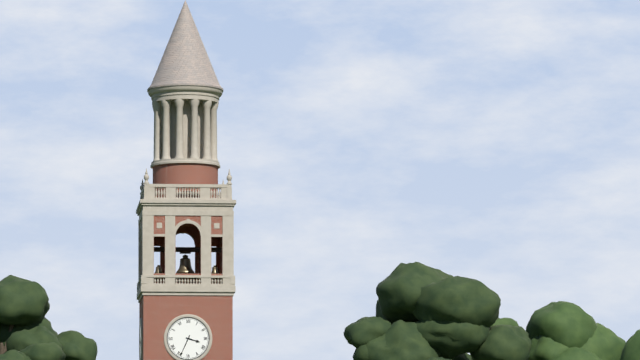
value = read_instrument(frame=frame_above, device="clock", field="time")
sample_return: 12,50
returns 3,34
